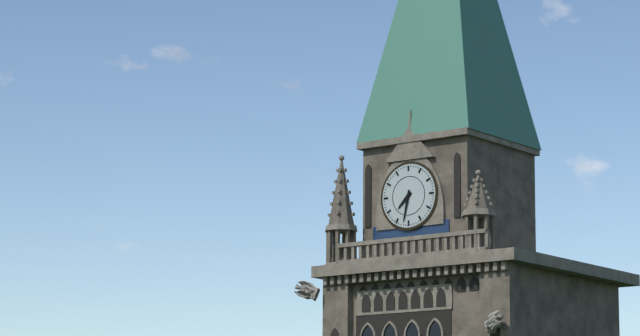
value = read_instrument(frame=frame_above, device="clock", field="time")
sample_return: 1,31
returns 7,32
